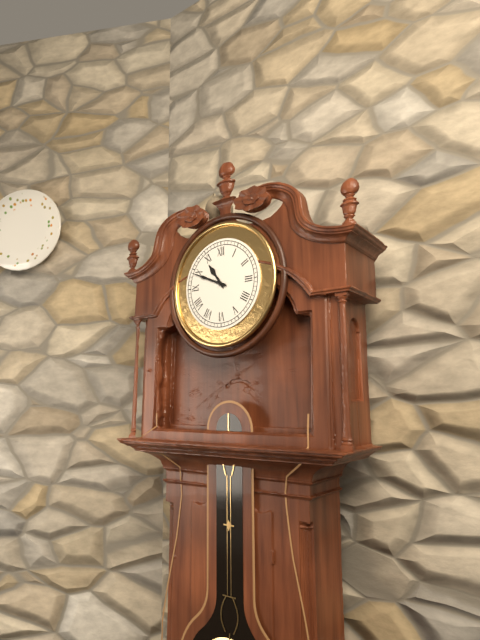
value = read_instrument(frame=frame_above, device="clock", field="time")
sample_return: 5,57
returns 10,49
